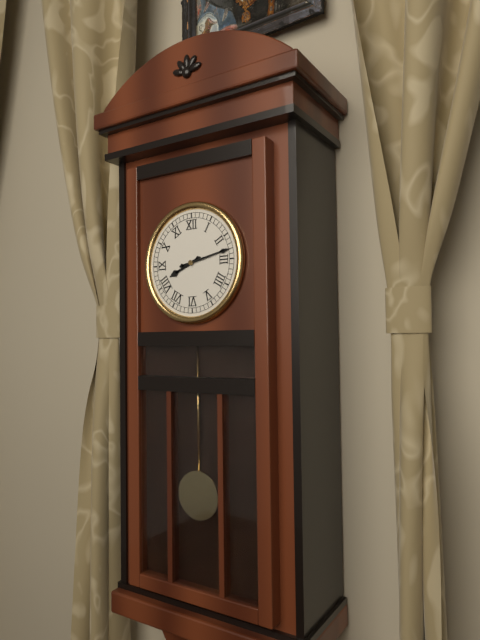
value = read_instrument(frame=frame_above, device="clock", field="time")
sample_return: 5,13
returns 8,13
